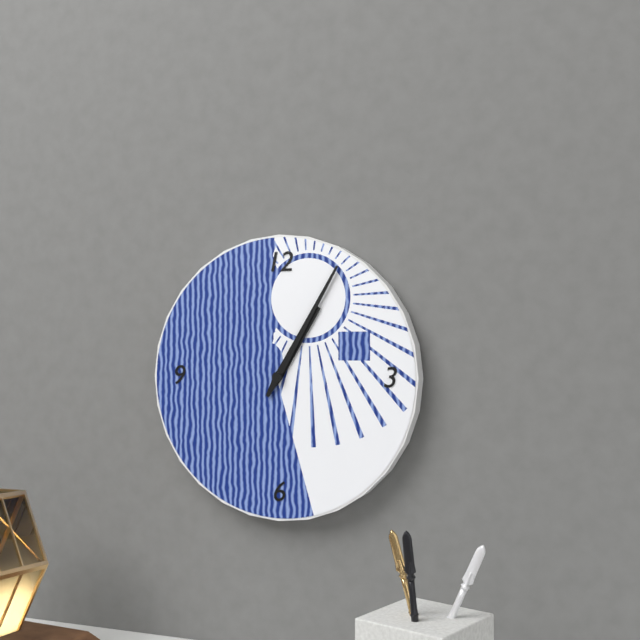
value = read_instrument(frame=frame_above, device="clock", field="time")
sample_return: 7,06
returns 1,05
